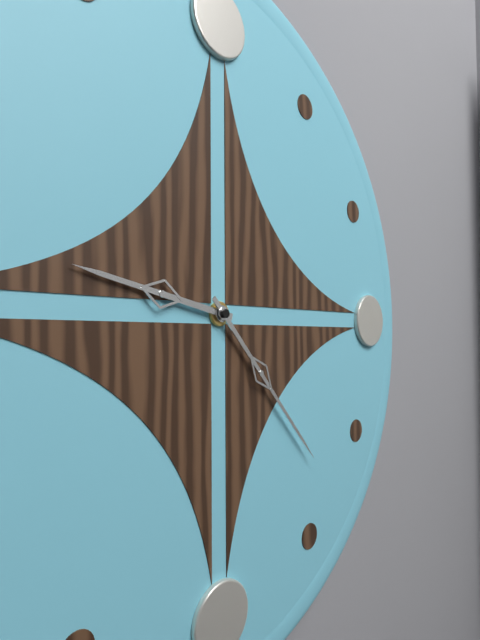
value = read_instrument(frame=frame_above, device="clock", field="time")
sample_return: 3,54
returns 9,23
